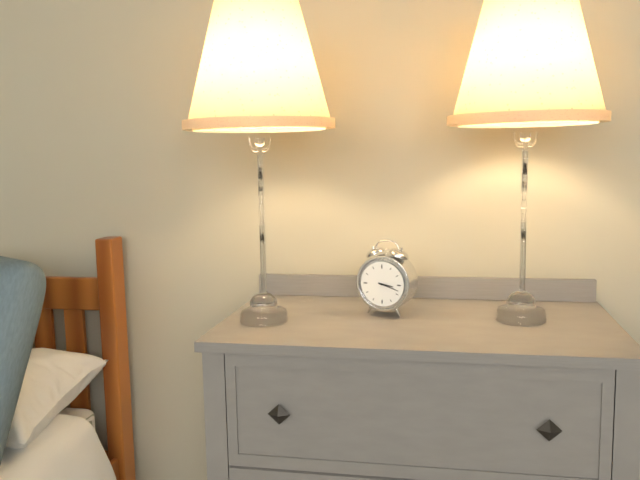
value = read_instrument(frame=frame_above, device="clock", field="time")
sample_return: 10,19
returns 3,18
